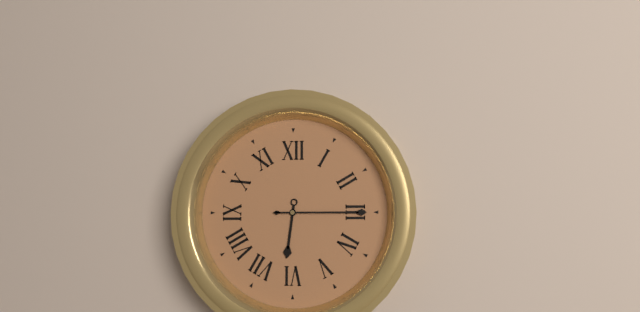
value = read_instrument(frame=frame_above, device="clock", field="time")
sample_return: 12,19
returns 6,15
